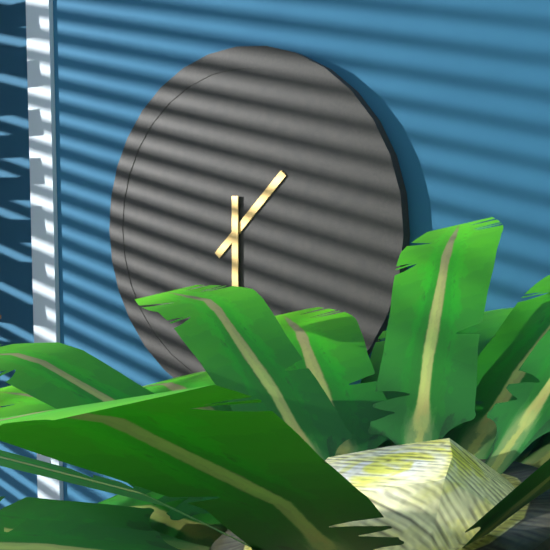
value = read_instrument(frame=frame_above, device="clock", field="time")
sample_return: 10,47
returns 1,30
